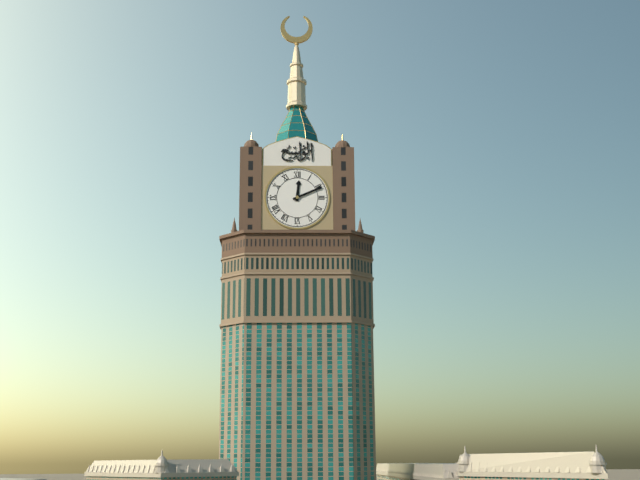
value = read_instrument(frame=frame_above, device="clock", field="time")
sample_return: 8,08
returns 12,11
